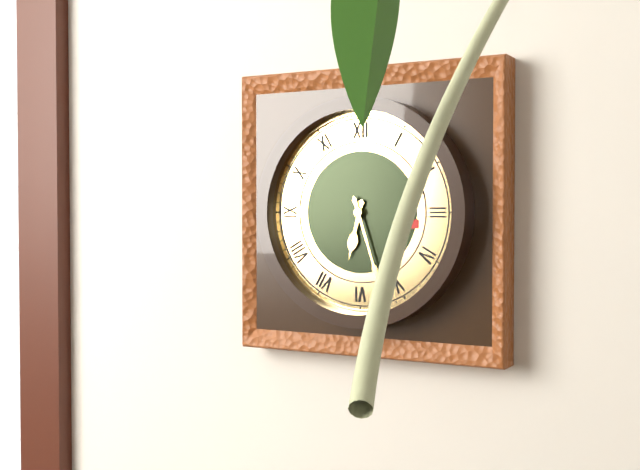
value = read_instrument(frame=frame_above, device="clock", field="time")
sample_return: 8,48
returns 6,27
